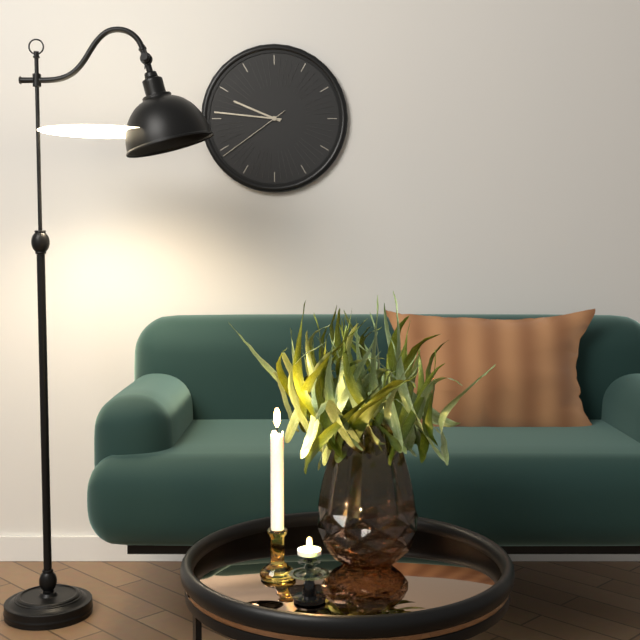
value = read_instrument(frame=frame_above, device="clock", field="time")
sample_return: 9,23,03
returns 9,46,39
